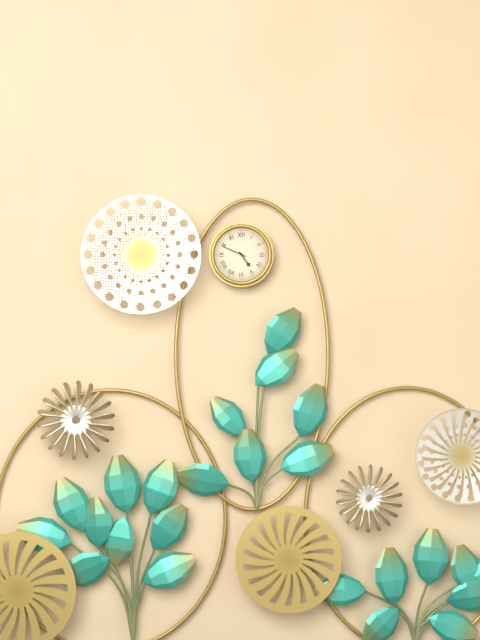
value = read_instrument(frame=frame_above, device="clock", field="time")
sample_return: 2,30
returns 4,49
